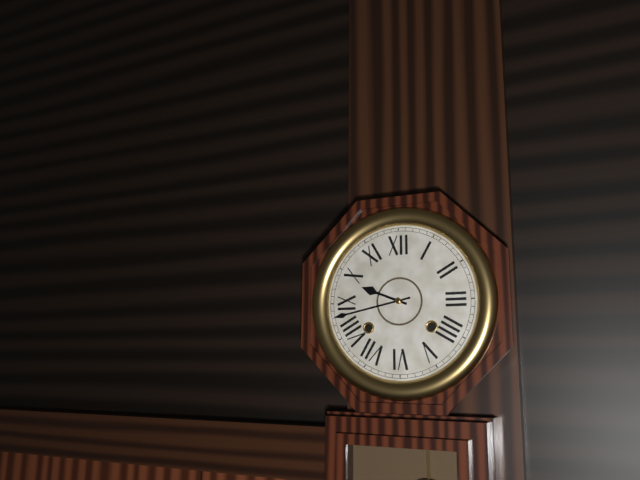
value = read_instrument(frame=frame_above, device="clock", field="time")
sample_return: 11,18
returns 9,43
